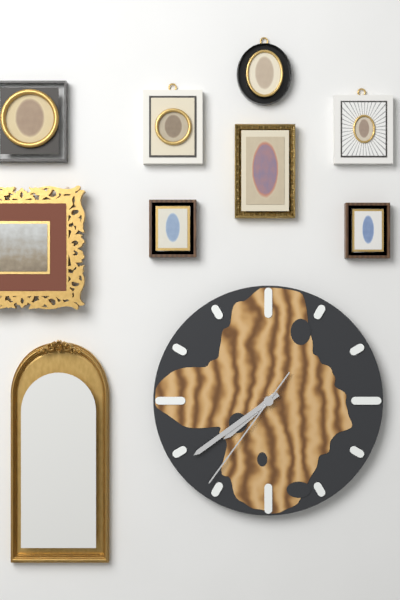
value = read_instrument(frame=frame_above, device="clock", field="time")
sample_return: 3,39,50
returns 7,39,36
